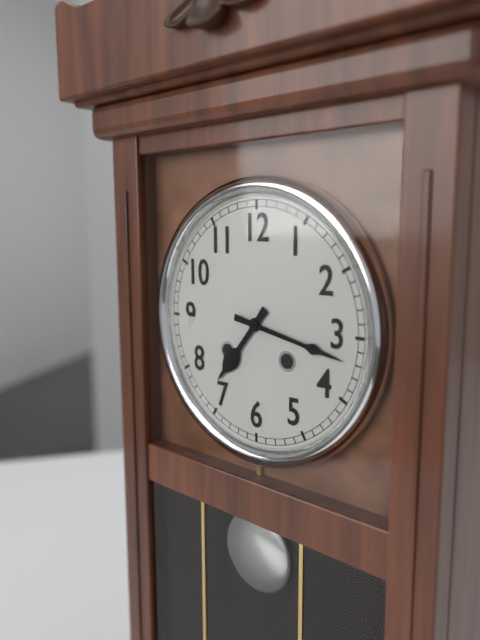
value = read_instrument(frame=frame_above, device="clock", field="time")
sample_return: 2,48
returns 7,17
